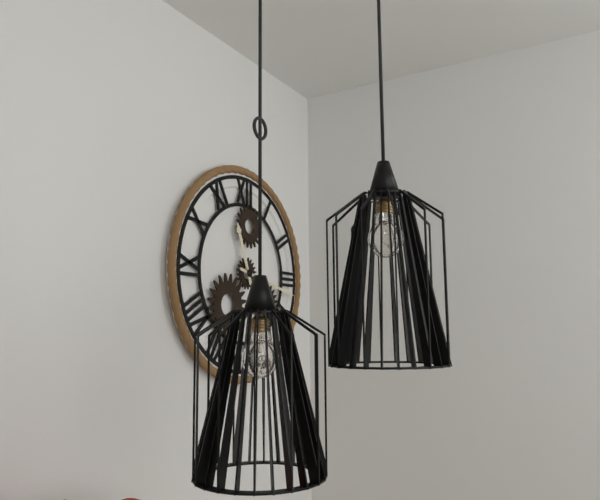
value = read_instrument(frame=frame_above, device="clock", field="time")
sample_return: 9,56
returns 11,17
